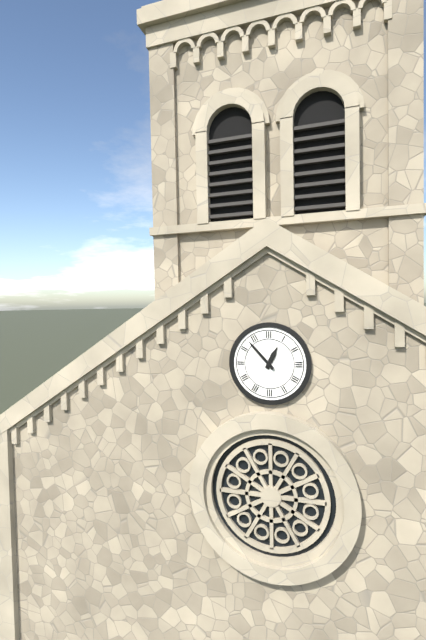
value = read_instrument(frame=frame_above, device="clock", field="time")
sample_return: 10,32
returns 12,53
